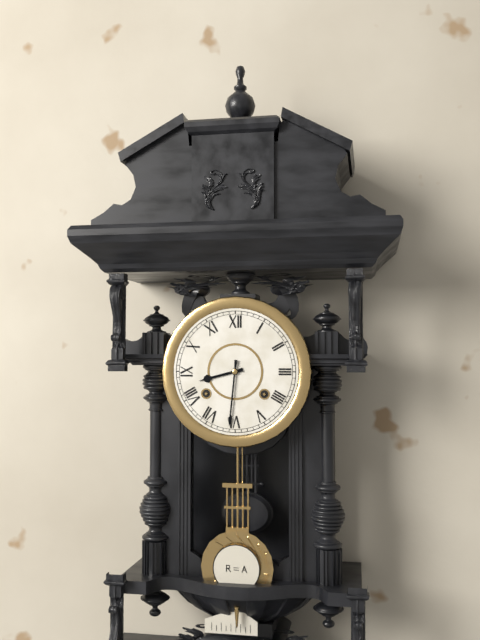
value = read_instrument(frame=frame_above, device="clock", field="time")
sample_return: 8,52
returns 8,31
